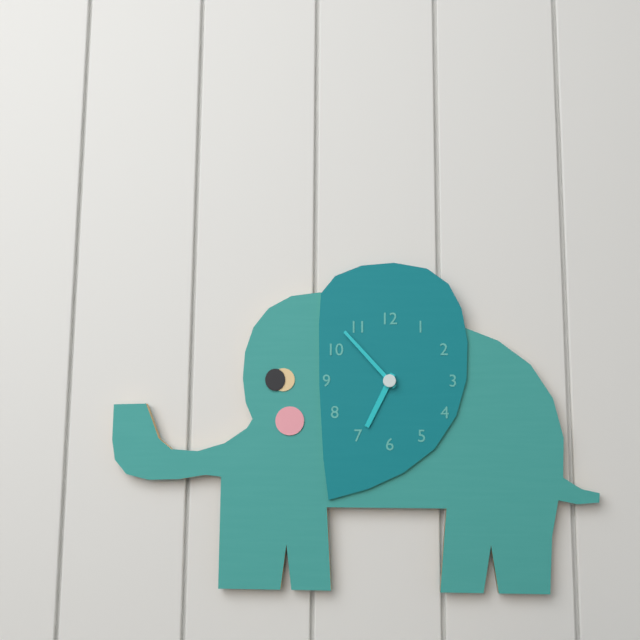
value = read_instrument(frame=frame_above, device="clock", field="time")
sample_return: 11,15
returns 6,53
